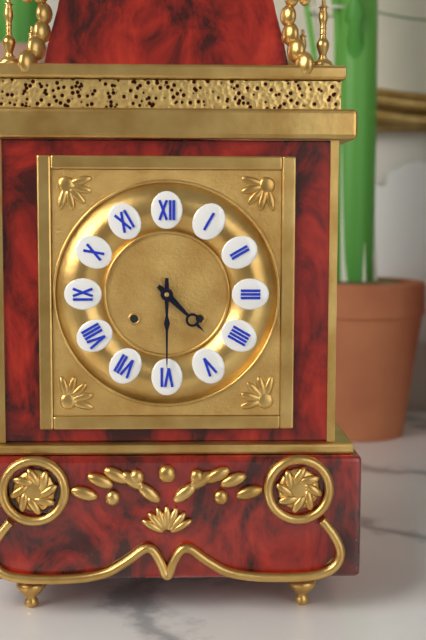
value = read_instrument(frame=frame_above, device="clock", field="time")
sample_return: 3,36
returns 4,30
